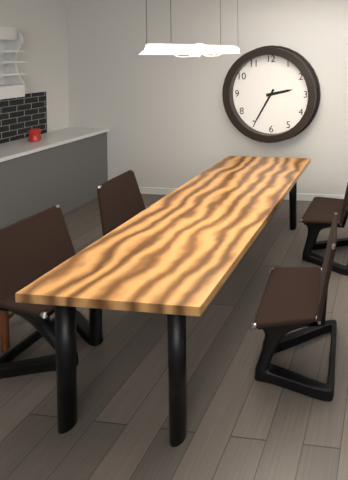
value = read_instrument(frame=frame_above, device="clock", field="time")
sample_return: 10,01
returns 2,35
